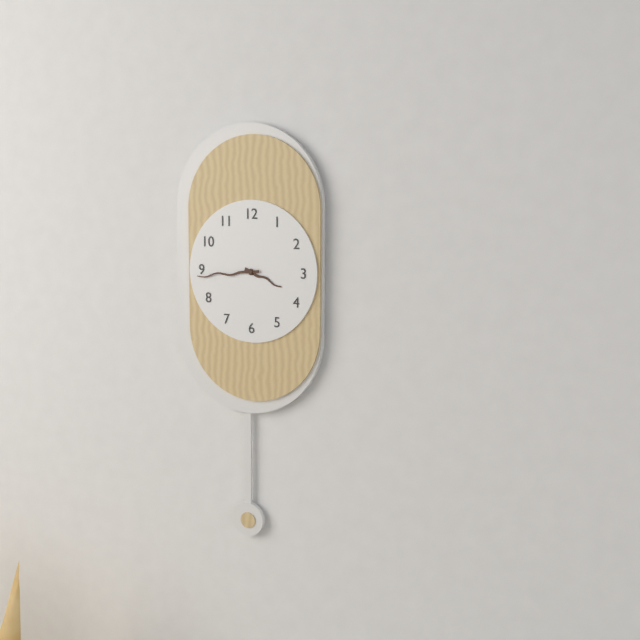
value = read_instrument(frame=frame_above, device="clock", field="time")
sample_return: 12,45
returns 3,44
